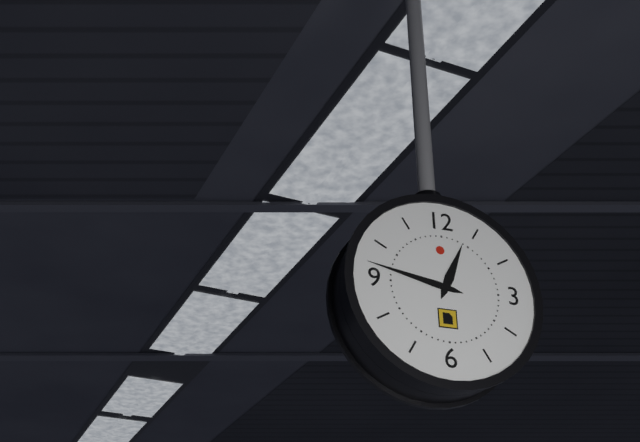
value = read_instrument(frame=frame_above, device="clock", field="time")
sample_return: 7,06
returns 12,47
